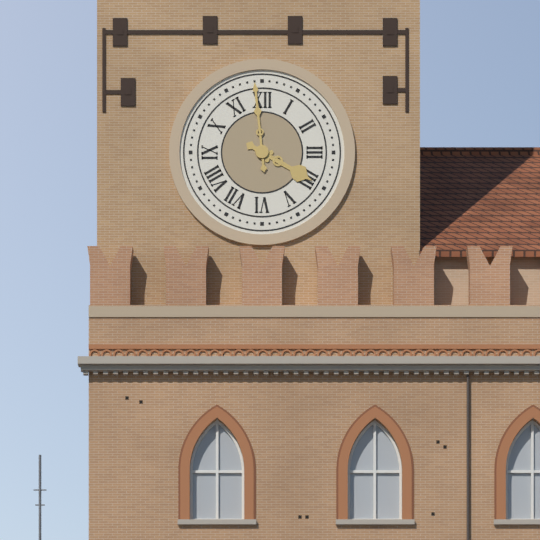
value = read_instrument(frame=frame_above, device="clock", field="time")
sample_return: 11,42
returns 3,59
